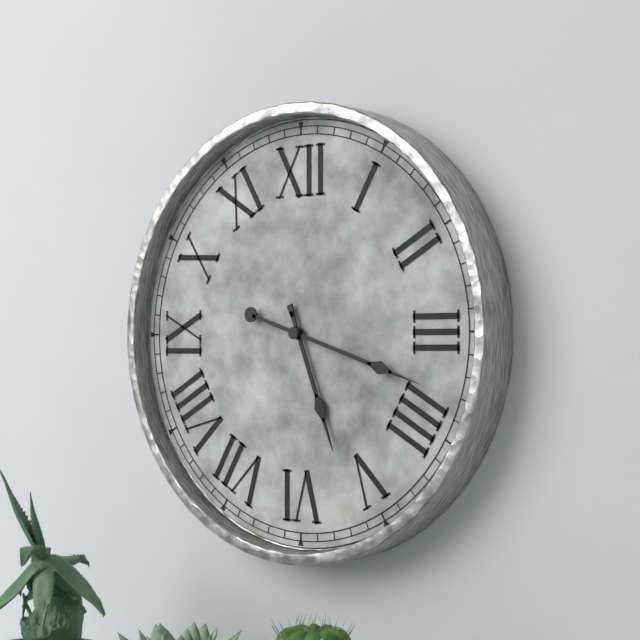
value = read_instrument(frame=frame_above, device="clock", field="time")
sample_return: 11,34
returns 5,18
